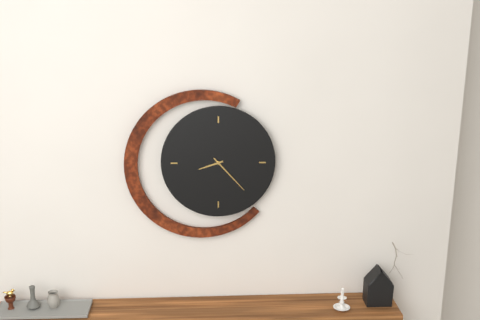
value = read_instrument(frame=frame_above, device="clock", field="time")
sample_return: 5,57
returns 8,23
